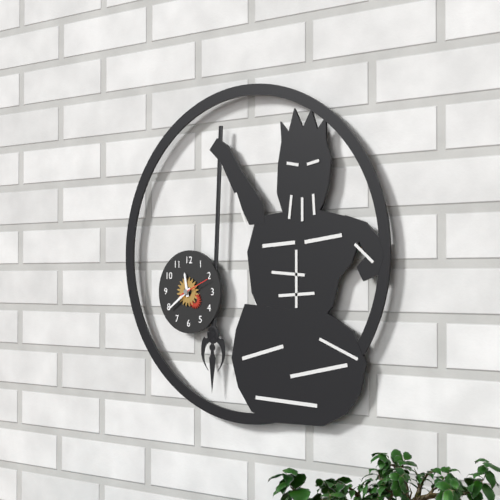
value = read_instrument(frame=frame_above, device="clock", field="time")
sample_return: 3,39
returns 11,39
